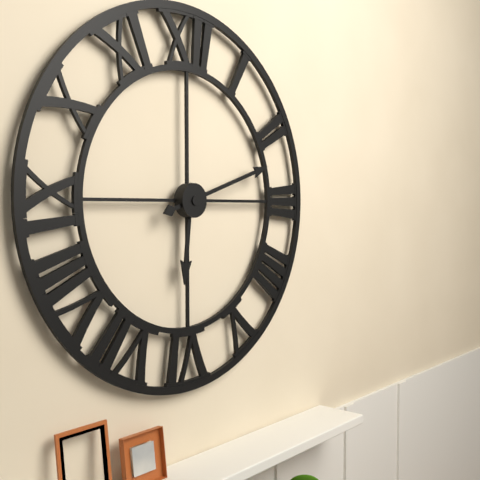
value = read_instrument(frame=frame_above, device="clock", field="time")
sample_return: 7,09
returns 6,12
